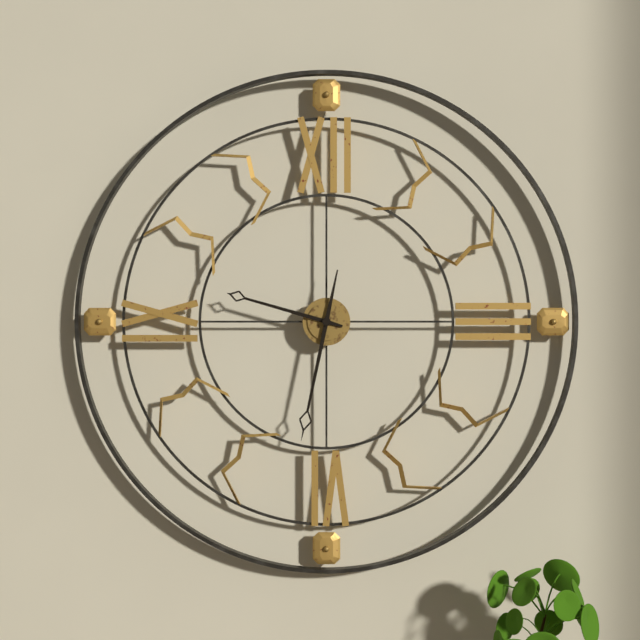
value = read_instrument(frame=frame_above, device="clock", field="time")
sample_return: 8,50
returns 9,32
